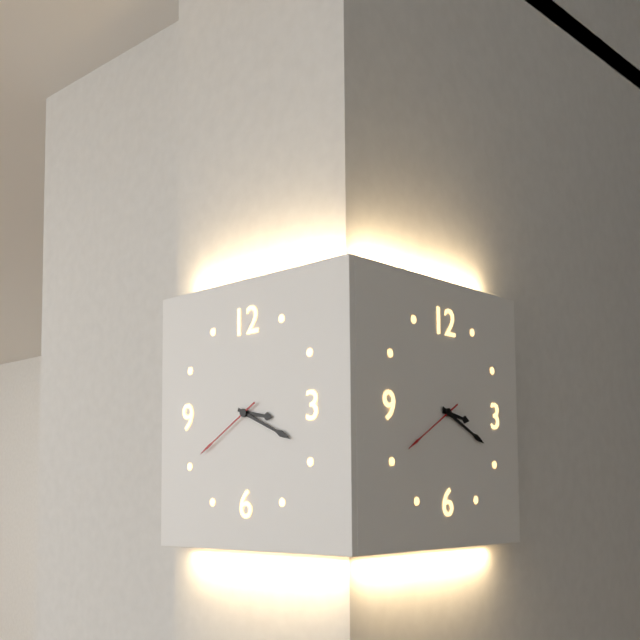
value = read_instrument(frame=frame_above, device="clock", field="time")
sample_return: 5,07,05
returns 3,19,40
